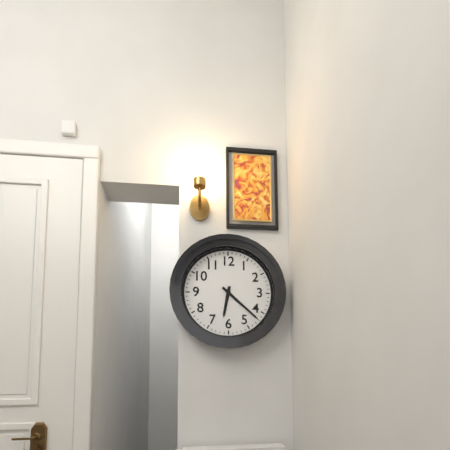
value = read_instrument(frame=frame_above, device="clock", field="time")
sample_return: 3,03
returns 6,22
